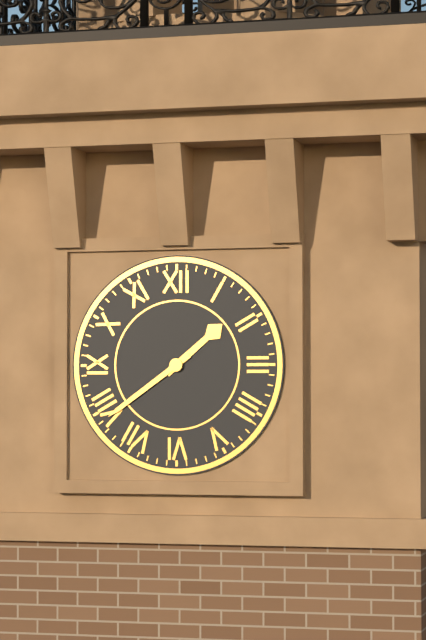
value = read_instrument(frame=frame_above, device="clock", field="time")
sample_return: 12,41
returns 1,39
